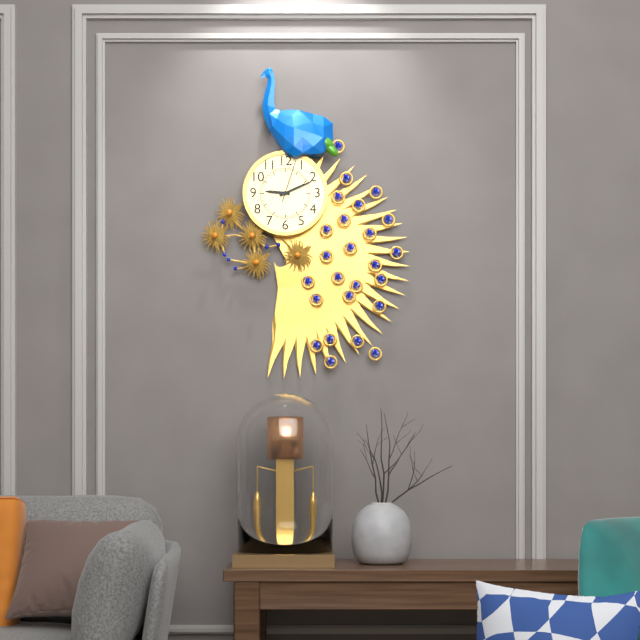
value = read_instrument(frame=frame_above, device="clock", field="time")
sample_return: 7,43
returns 9,11
